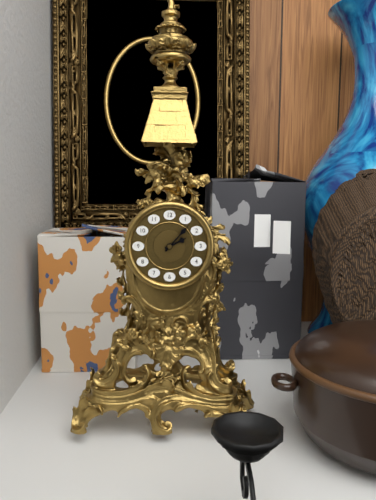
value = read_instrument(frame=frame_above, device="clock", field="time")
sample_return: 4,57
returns 2,07
